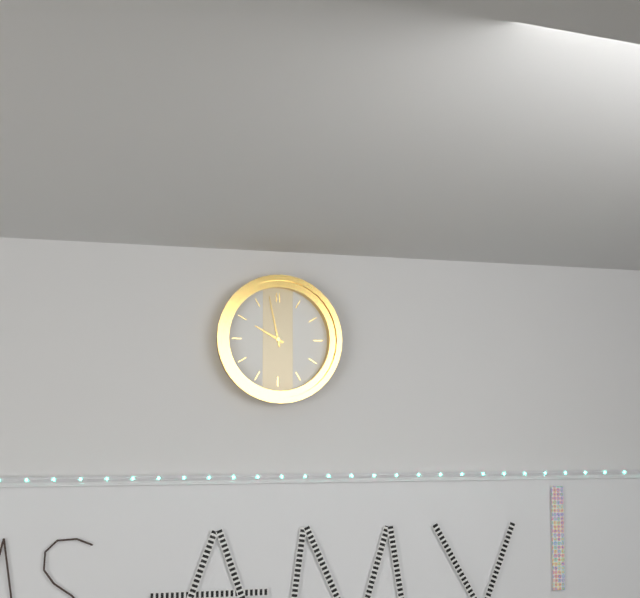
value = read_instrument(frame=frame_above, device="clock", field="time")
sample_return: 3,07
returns 9,58
